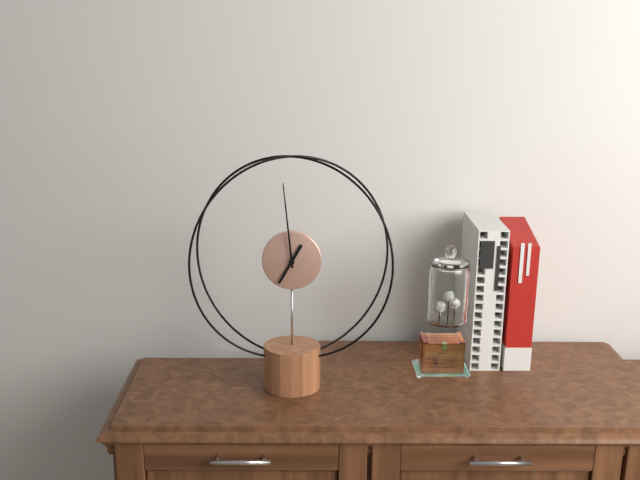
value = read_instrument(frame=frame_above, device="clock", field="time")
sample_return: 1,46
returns 6,59
